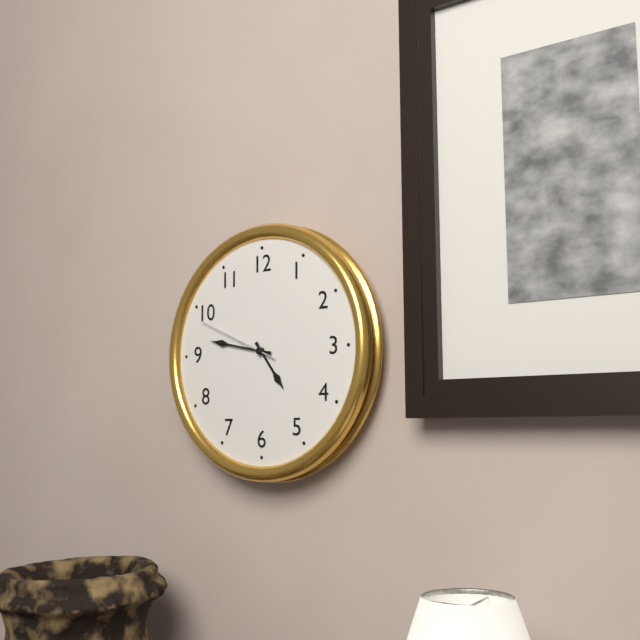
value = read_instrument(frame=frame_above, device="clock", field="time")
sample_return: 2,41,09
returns 4,47,49
